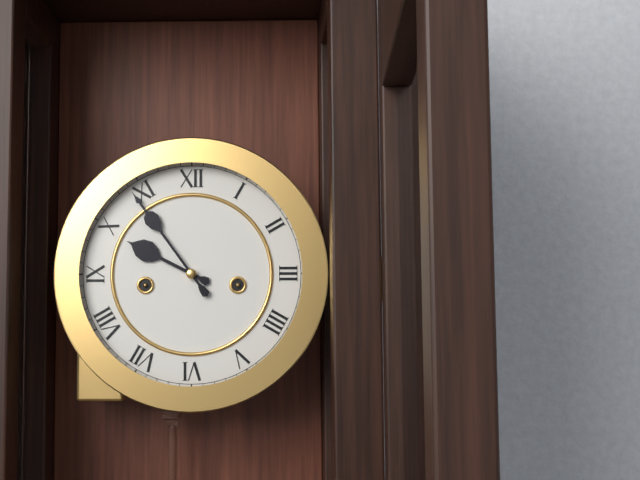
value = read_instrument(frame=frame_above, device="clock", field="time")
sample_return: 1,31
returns 9,54
